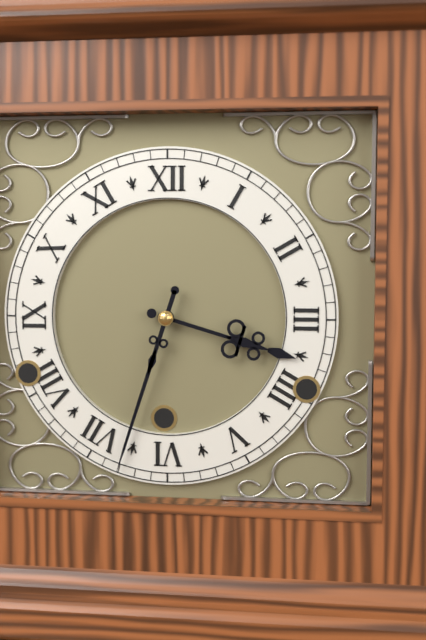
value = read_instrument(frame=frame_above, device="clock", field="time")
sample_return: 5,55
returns 3,33
